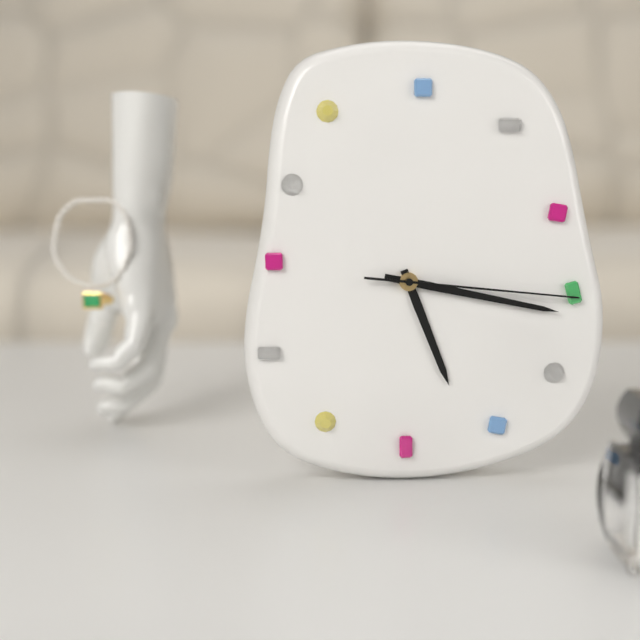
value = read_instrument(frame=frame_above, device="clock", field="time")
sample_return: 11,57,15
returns 5,17,16
